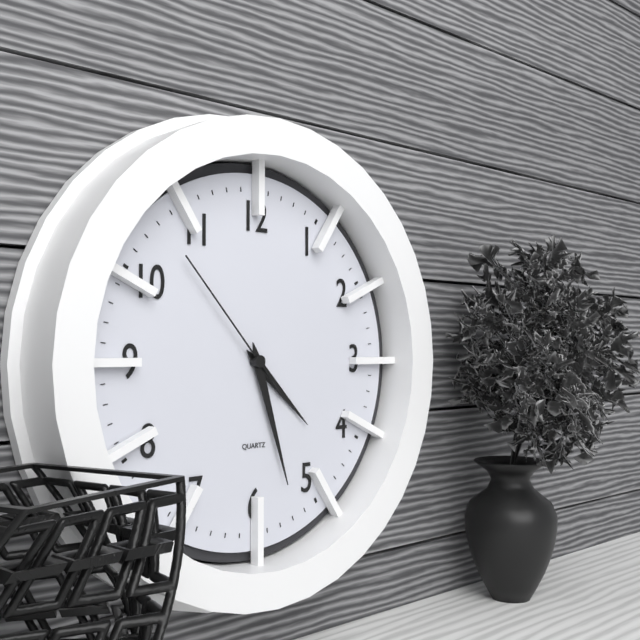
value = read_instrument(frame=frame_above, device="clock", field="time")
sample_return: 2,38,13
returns 4,27,53
